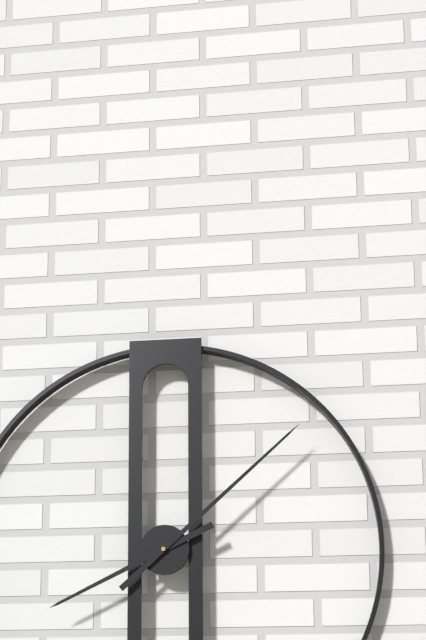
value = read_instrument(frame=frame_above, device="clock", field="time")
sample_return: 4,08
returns 8,08
